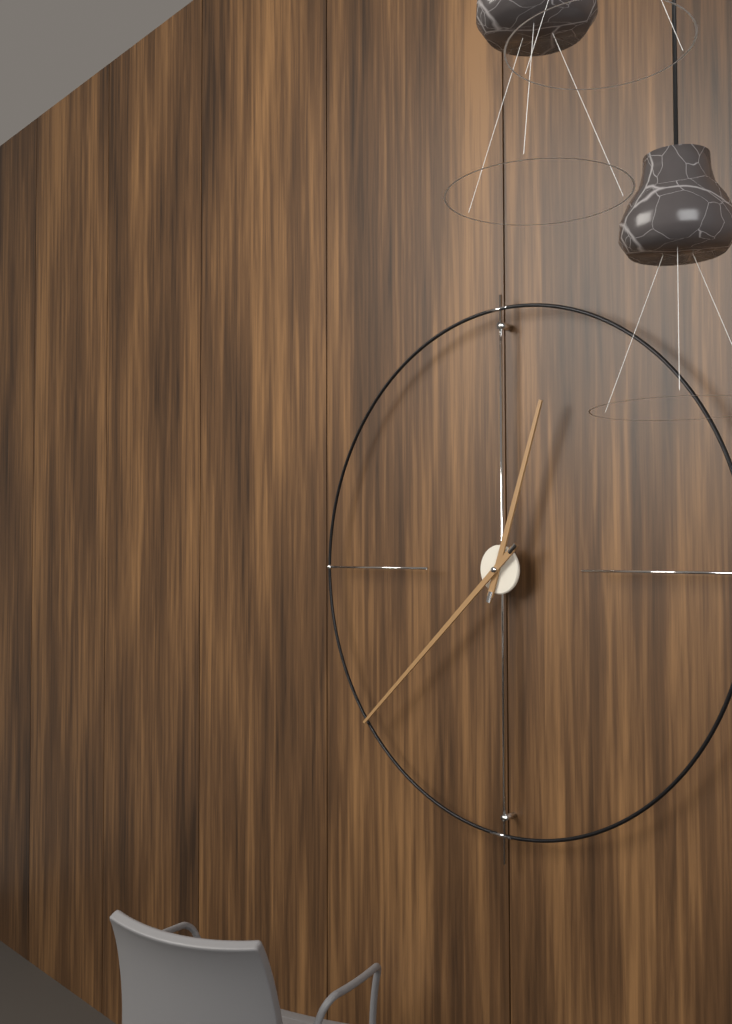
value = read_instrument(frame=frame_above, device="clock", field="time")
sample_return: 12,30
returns 12,38
